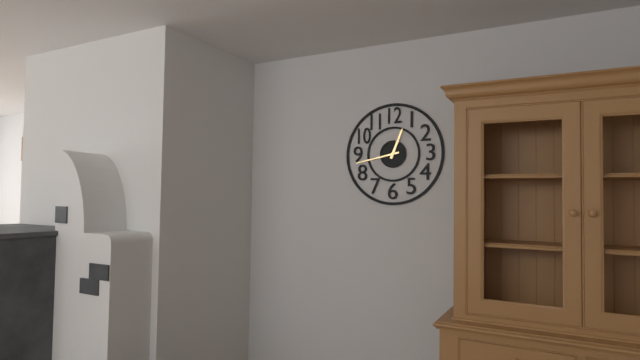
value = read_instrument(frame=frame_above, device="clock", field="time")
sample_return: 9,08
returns 12,43
